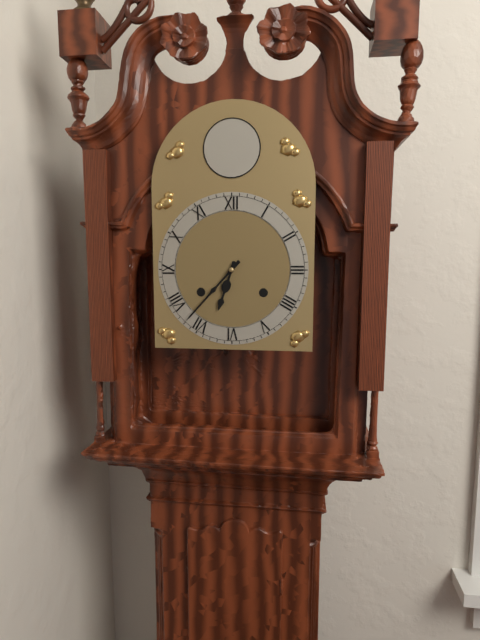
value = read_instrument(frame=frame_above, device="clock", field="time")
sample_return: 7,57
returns 6,37
